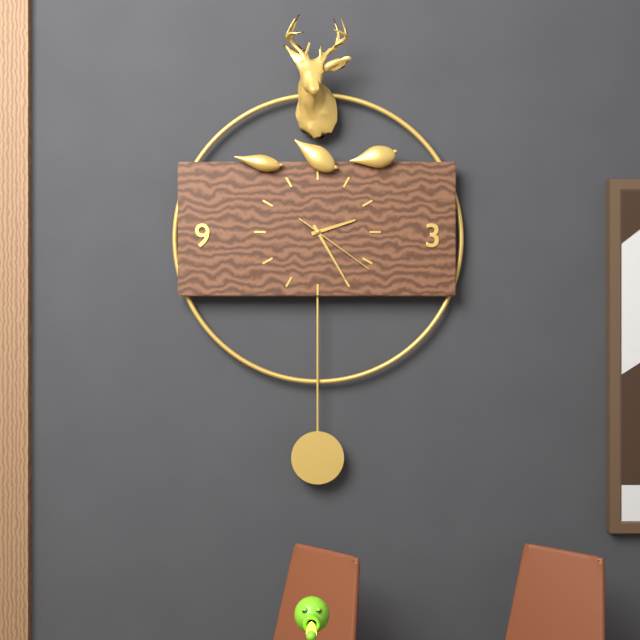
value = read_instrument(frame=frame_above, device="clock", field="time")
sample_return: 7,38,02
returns 2,25,21
